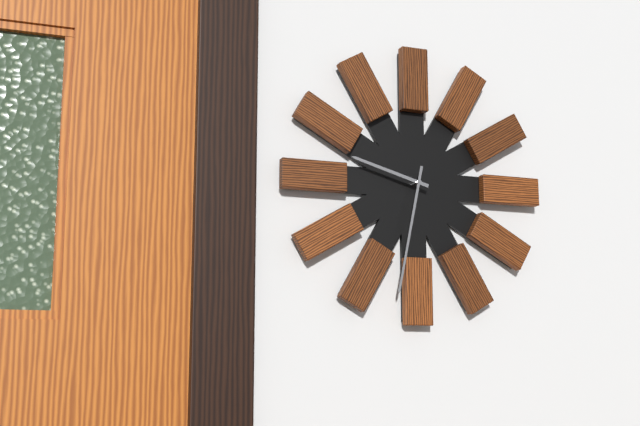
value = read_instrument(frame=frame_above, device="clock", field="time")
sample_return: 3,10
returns 9,32
